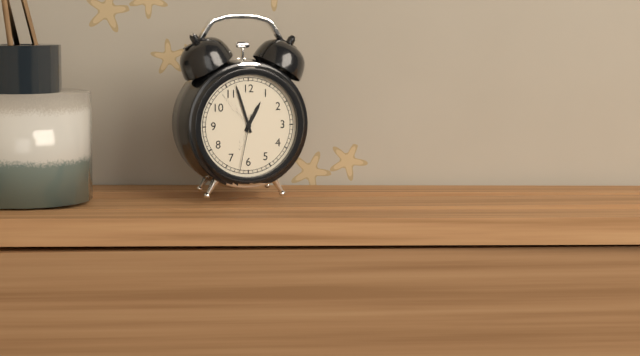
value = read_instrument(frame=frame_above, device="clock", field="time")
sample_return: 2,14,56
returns 12,57,32
